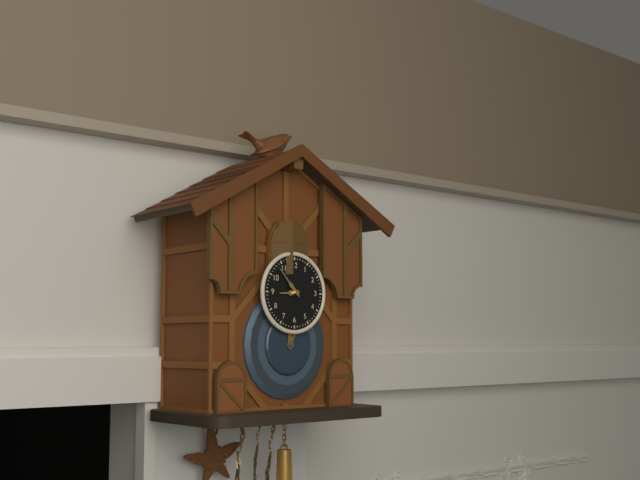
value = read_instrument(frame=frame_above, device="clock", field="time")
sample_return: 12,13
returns 8,53
